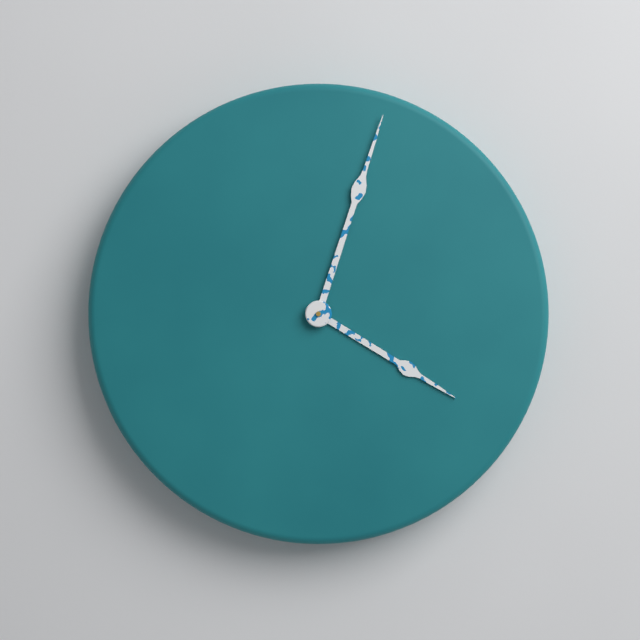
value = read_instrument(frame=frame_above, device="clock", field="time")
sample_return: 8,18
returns 4,03
